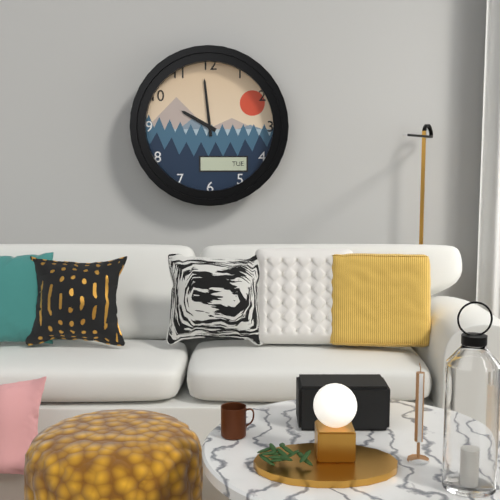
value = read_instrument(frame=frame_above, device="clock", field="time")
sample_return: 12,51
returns 9,59
